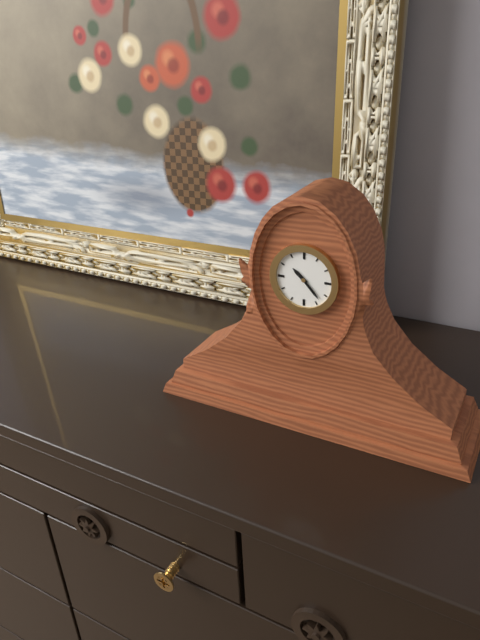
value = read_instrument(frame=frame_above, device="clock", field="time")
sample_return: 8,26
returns 10,23
